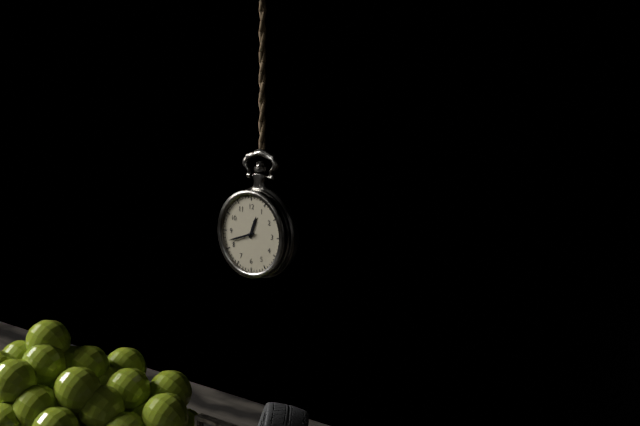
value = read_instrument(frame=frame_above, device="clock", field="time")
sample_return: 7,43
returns 12,42
